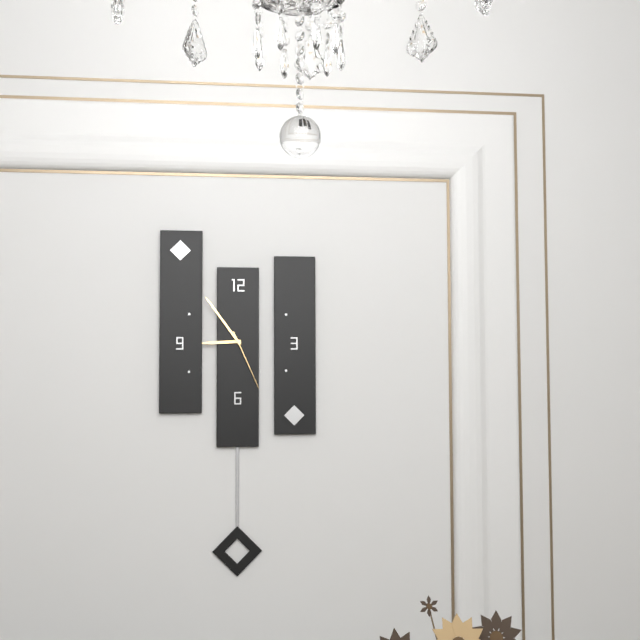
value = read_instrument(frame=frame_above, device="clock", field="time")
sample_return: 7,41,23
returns 8,54,26
